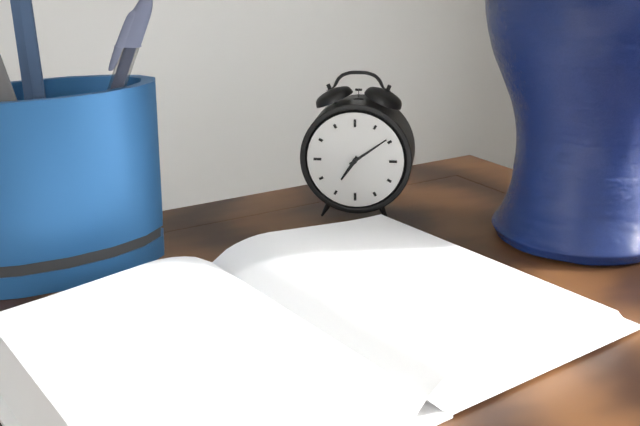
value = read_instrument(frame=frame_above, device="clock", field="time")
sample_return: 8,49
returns 7,09
